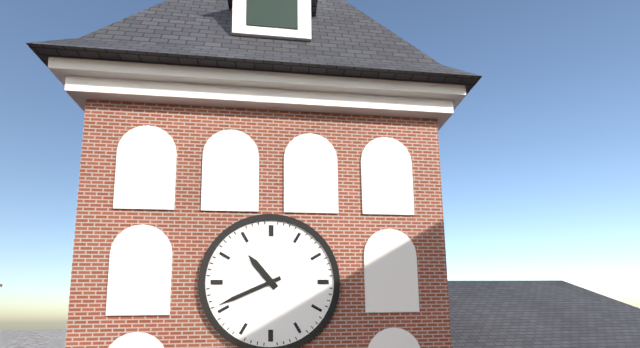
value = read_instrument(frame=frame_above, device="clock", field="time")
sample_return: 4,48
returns 10,41
